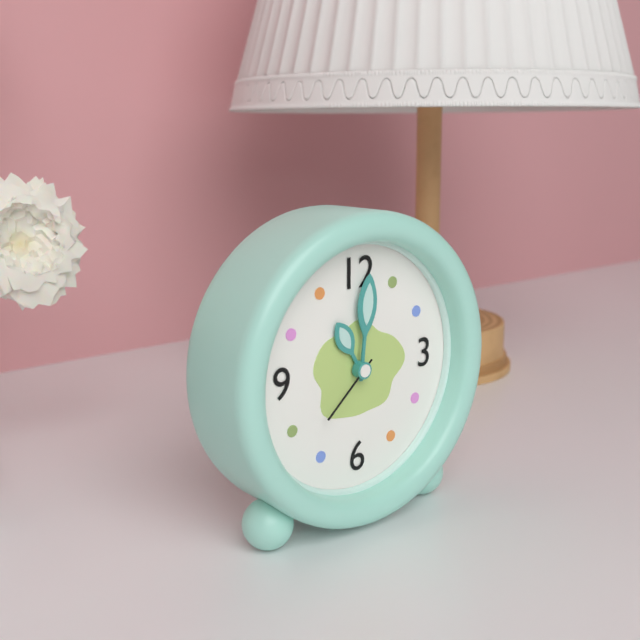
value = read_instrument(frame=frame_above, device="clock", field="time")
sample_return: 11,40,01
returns 11,01,38
